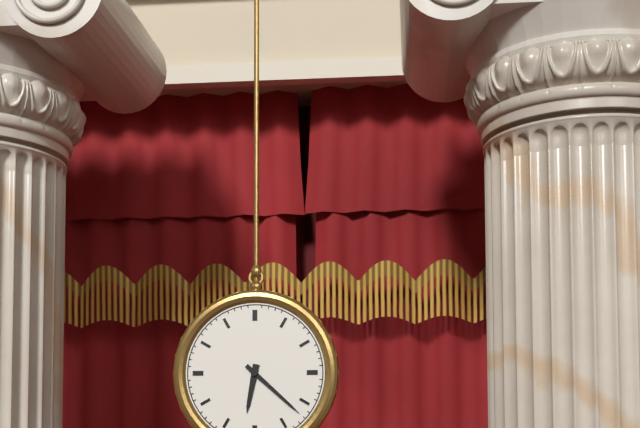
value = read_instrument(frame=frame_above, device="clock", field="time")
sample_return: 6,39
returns 6,22
